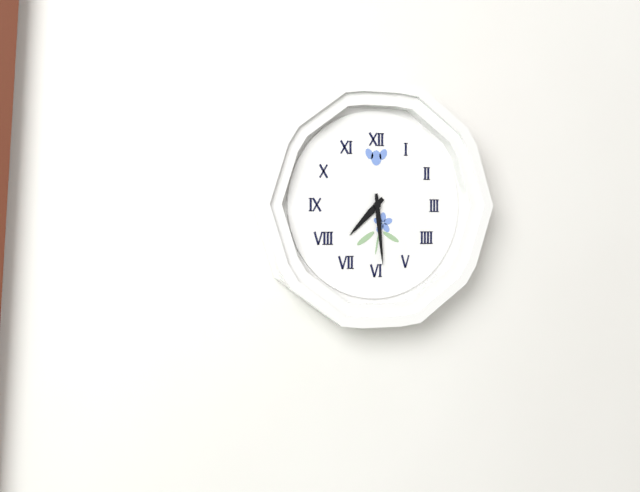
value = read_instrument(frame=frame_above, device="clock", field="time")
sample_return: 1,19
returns 7,29
